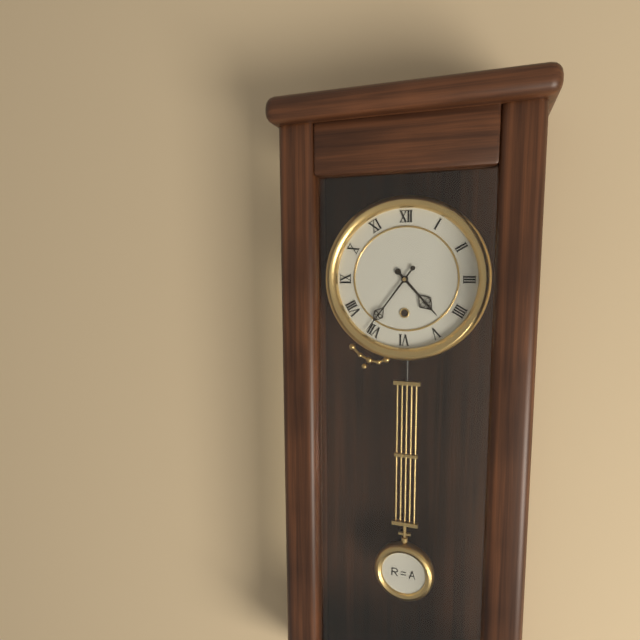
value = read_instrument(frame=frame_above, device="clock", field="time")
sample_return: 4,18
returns 4,36
